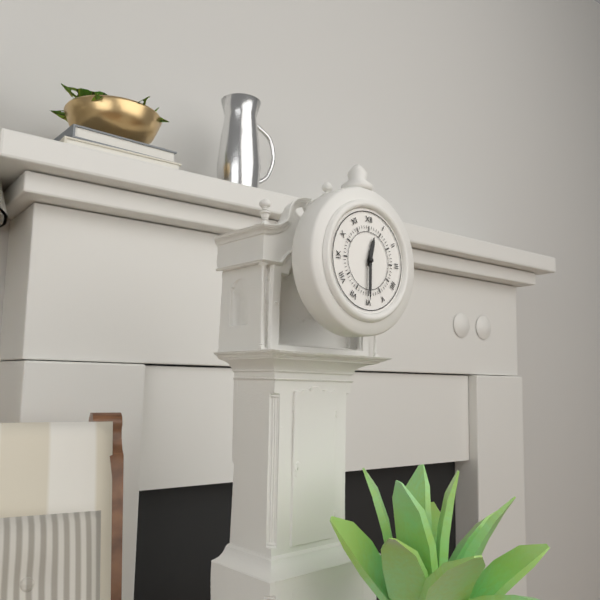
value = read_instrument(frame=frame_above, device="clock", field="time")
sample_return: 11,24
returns 12,30
